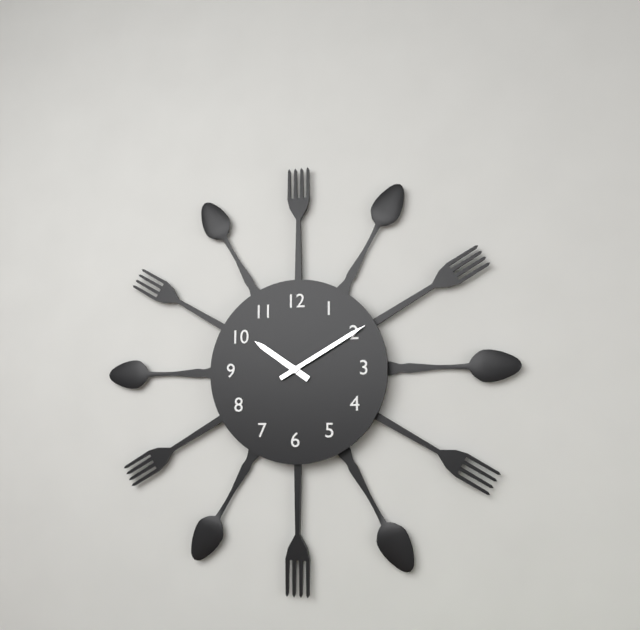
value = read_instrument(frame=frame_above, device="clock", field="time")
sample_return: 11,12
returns 10,10
